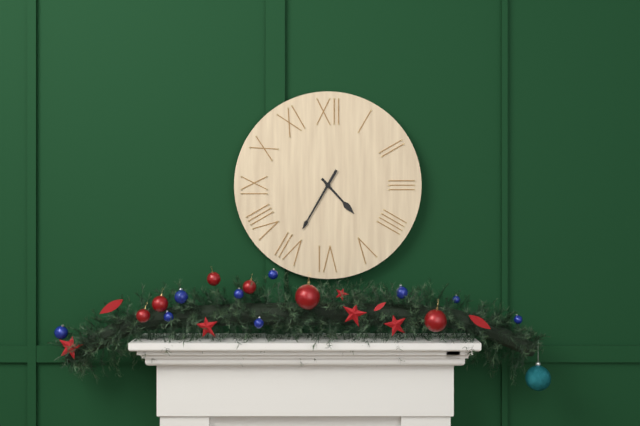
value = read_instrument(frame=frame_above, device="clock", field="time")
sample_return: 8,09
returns 4,35
